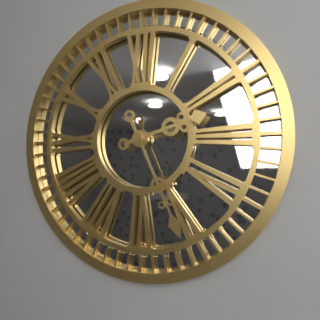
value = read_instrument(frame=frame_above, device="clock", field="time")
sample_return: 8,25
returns 2,26
